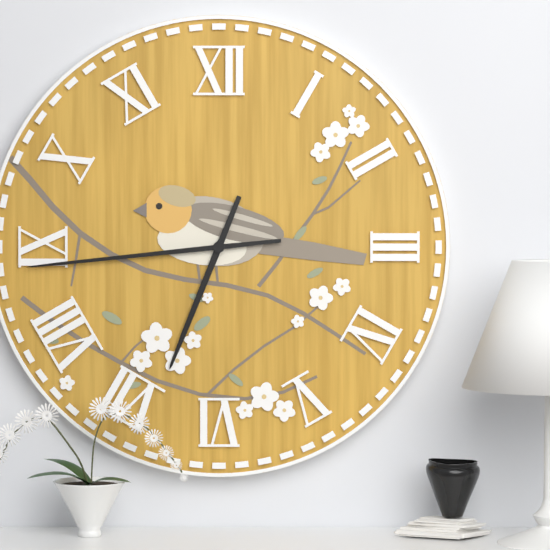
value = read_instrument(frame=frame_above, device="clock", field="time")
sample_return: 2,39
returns 6,44
